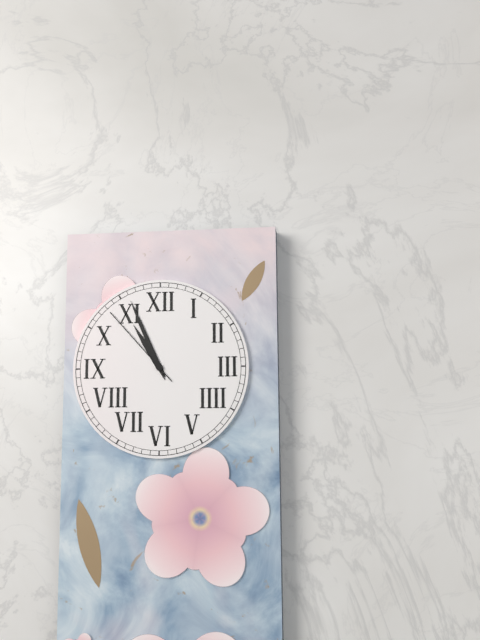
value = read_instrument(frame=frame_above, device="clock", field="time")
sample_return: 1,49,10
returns 10,56,53
